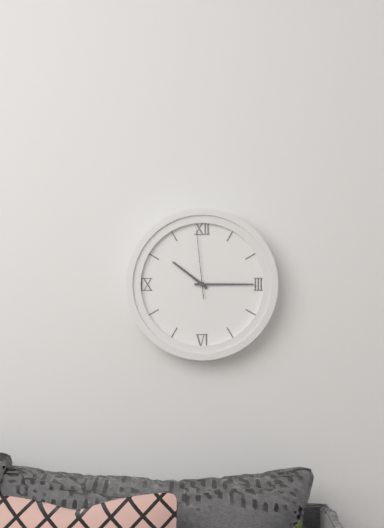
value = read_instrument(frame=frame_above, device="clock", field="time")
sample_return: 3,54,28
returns 10,15,59
